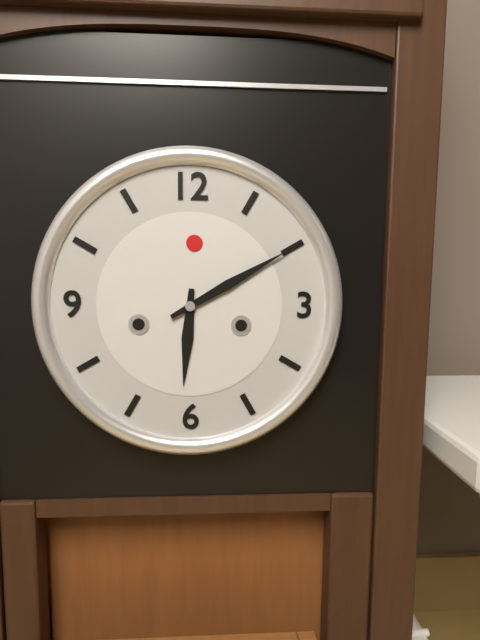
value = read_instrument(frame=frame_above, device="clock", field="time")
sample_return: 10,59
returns 6,10
